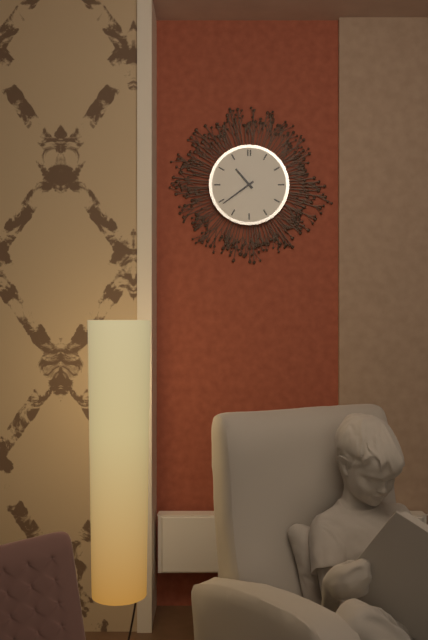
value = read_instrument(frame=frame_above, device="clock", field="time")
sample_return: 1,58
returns 10,39
